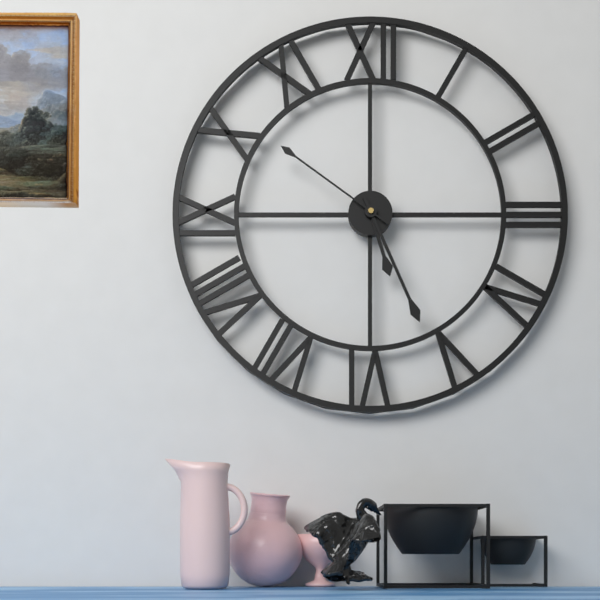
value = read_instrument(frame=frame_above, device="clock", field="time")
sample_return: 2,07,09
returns 5,26,51
